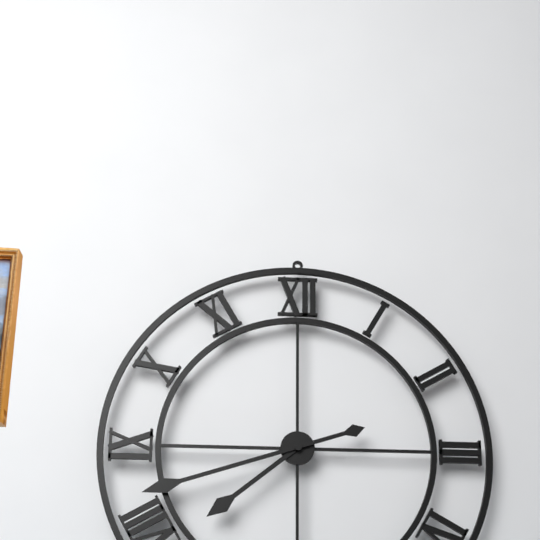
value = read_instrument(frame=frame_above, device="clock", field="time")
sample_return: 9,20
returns 7,42
